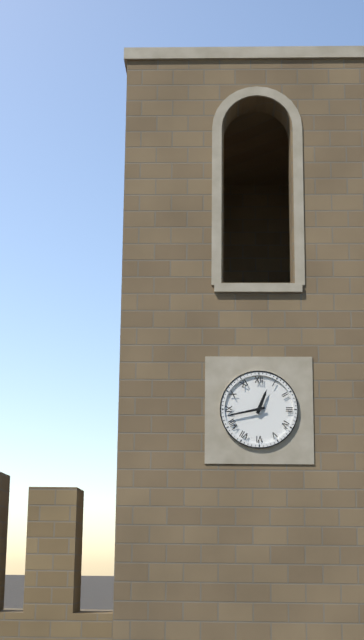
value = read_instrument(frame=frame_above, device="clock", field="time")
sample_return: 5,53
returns 12,43
